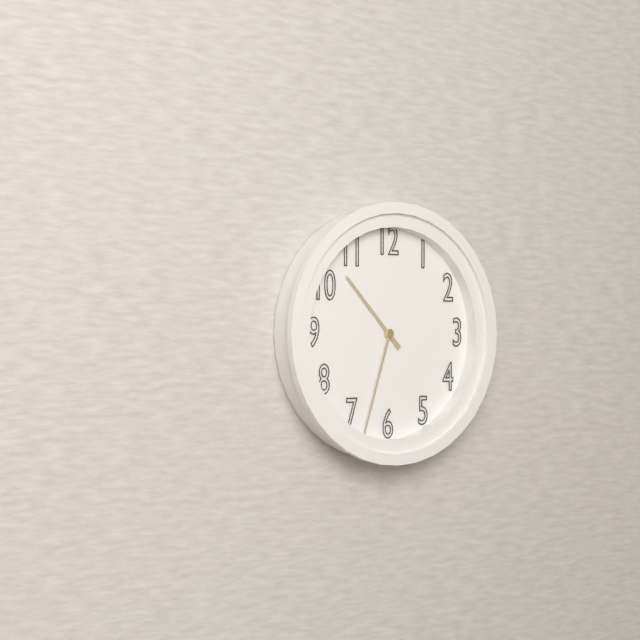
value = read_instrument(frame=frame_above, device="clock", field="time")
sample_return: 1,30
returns 10,33
